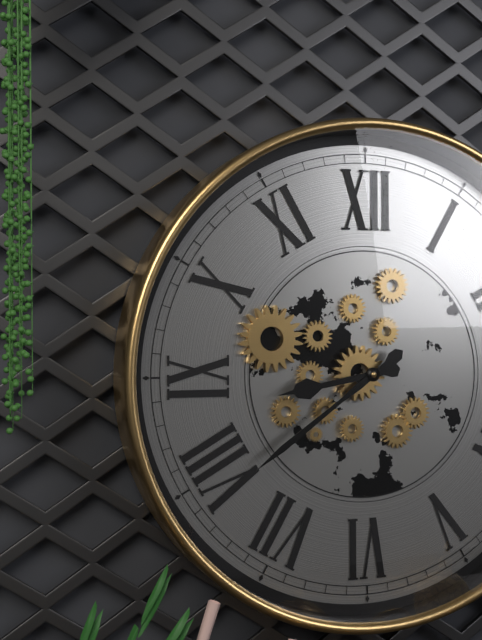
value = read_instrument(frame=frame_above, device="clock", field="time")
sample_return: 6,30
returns 8,39
